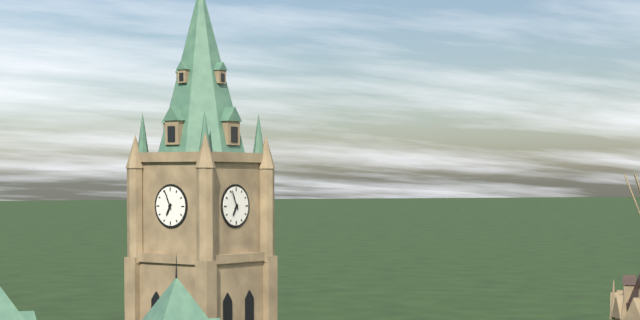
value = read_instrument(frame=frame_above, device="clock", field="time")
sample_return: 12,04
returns 6,56
